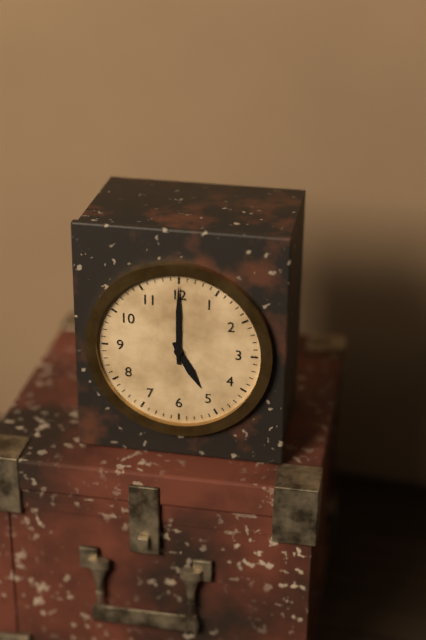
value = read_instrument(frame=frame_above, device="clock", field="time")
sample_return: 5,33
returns 5,00
